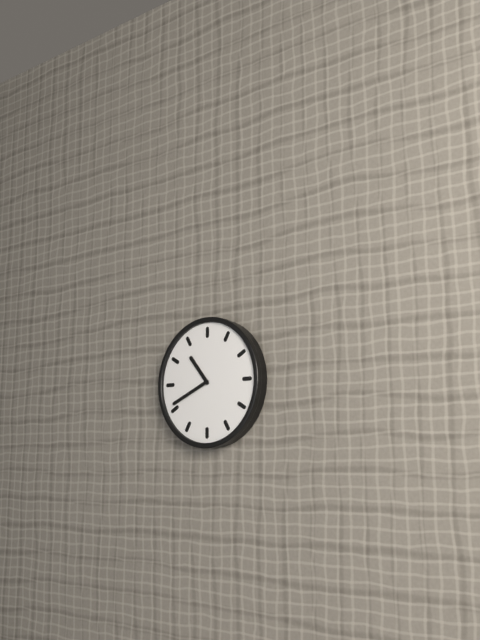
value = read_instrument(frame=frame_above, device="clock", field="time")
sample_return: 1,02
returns 10,41
